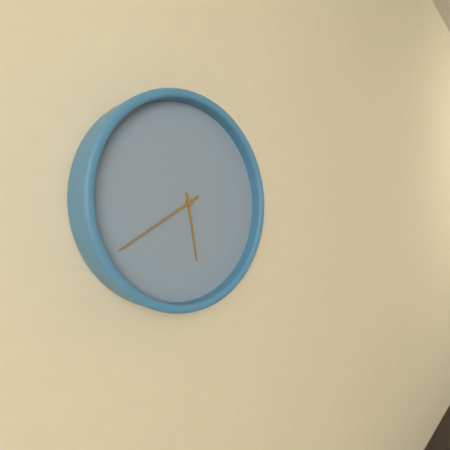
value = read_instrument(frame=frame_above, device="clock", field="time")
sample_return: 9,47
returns 5,40
